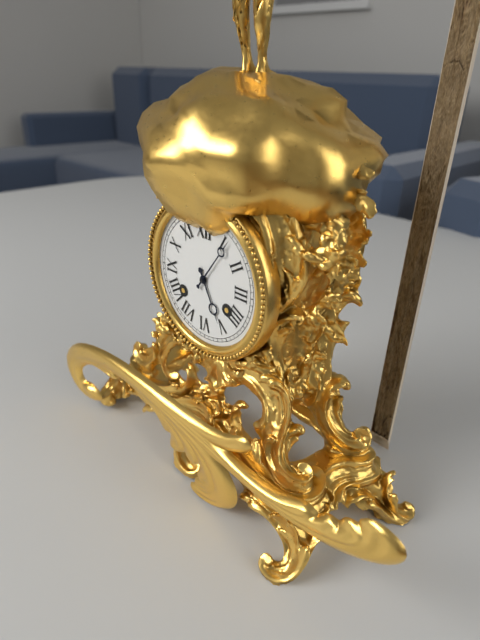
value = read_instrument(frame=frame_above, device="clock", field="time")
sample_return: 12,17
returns 5,06
